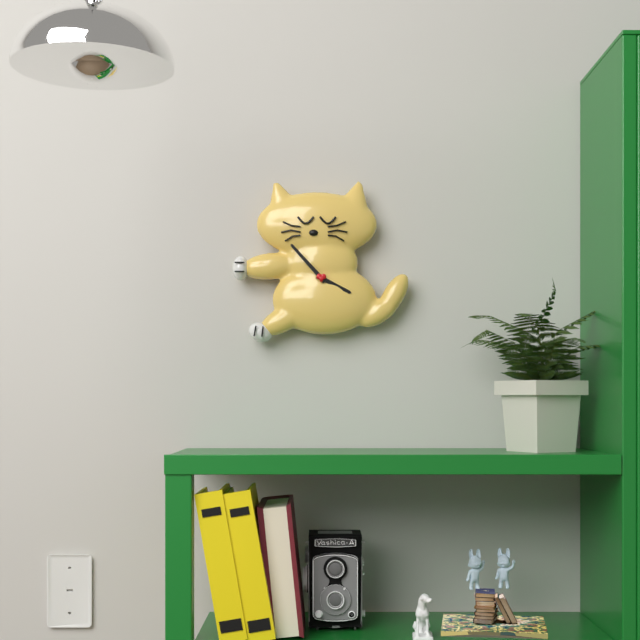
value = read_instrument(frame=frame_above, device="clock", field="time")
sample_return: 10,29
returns 3,53
